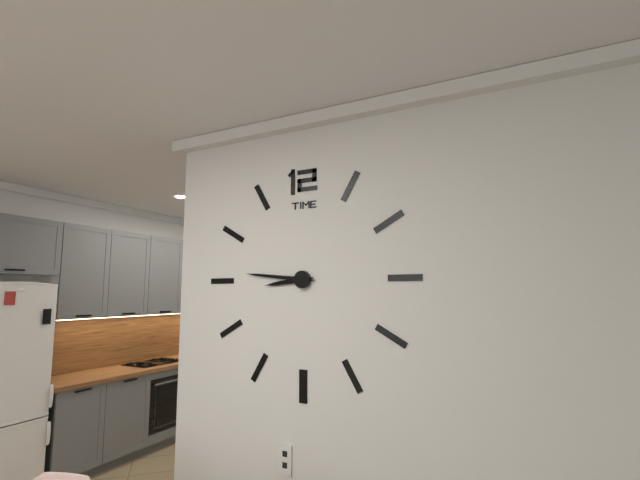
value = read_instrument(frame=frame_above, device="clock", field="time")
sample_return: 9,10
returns 8,46
